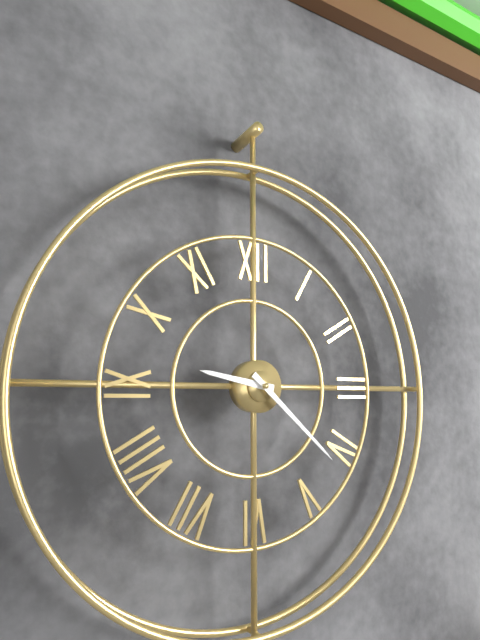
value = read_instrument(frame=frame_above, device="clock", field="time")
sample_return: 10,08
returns 9,22
